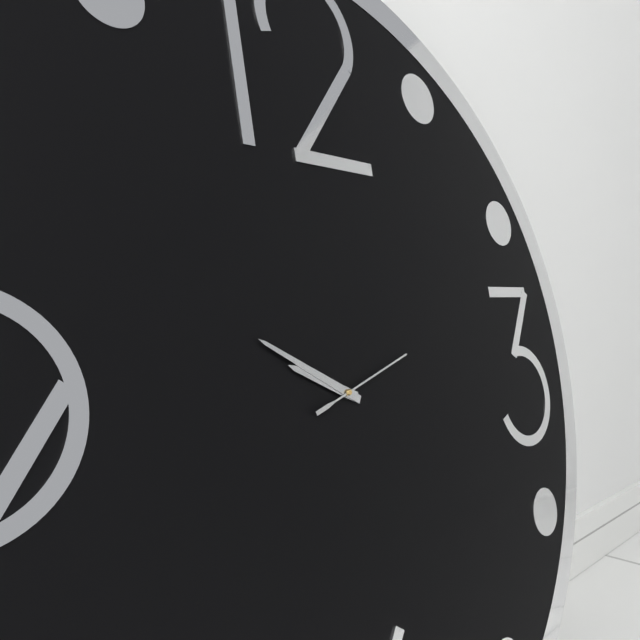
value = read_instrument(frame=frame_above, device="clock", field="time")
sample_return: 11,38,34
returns 9,50,12
